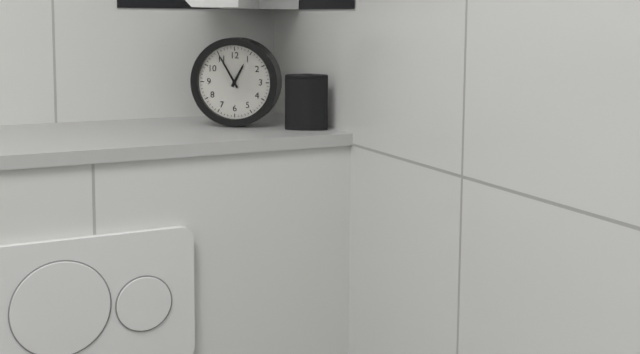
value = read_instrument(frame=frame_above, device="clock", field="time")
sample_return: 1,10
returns 12,55
